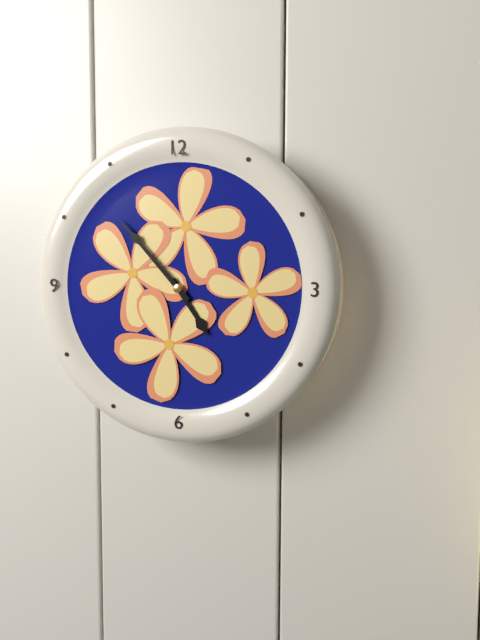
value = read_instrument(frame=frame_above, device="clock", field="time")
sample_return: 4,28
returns 4,53
